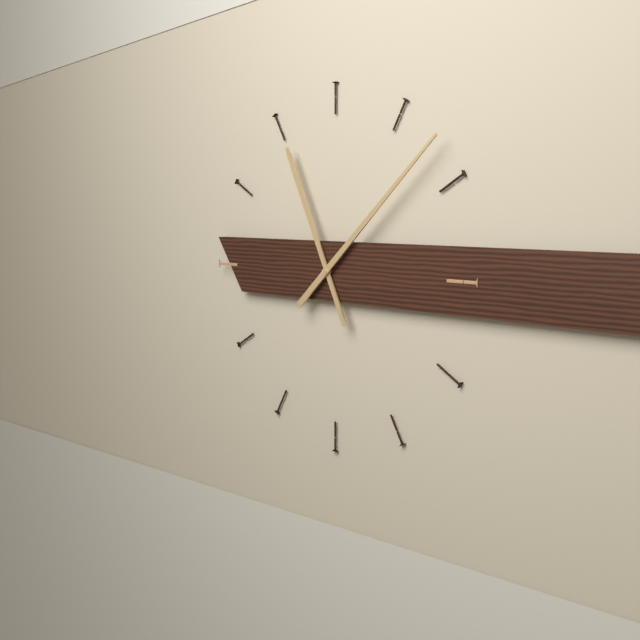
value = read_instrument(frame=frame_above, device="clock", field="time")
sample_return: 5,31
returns 11,08
